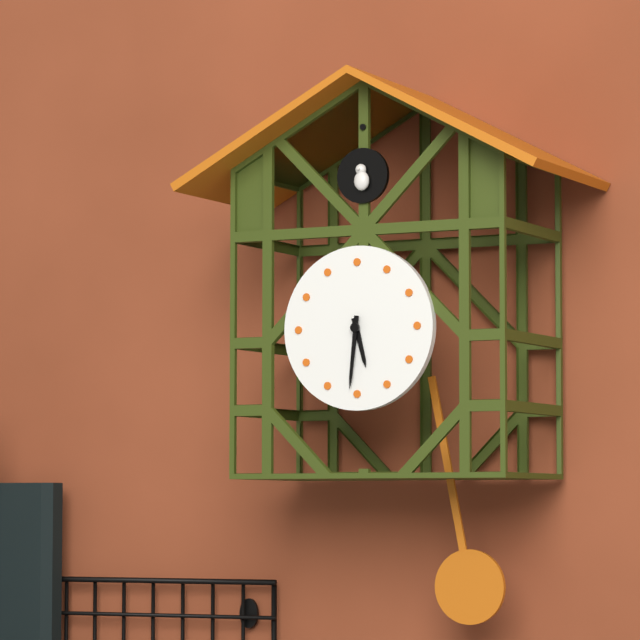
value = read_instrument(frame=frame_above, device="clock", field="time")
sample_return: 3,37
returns 5,31
